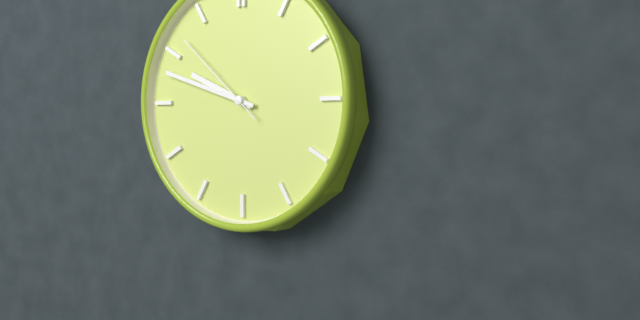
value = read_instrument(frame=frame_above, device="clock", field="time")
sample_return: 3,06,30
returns 9,48,52
